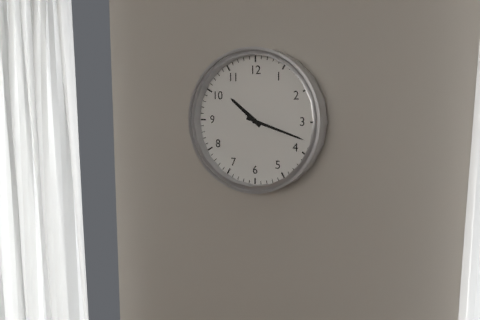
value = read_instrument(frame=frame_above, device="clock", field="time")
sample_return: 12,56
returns 10,18
